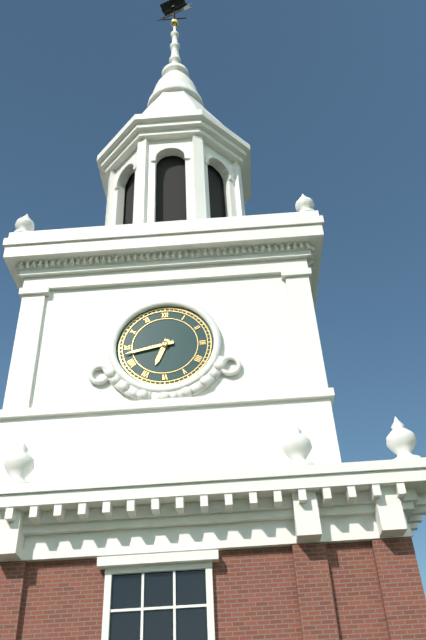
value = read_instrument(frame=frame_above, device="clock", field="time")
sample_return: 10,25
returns 6,43
